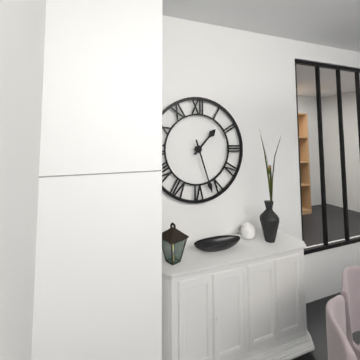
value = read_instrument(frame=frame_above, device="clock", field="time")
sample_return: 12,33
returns 1,27
